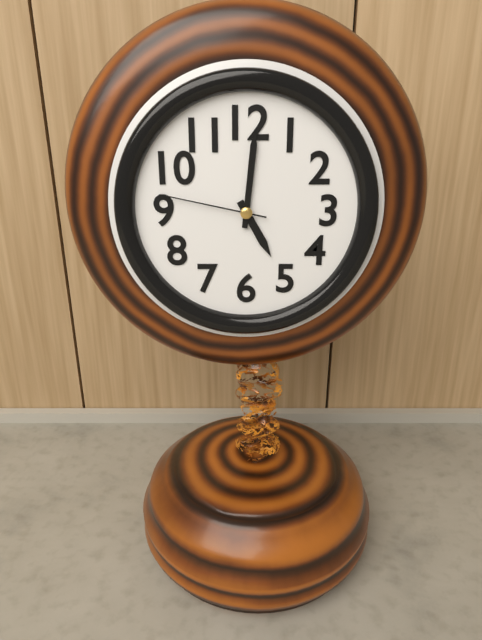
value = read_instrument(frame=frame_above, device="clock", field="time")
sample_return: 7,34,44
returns 5,01,47
